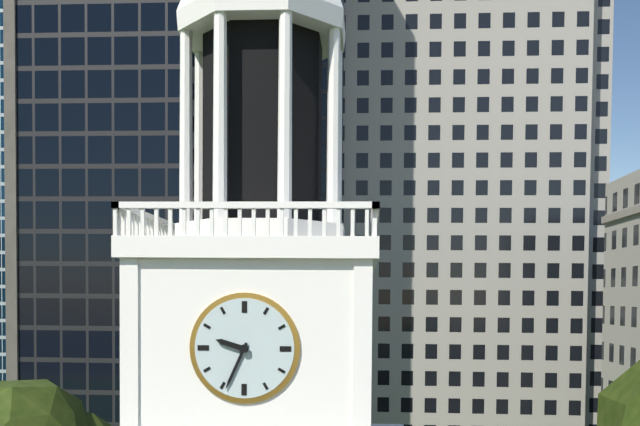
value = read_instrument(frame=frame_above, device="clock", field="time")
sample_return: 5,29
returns 9,34
